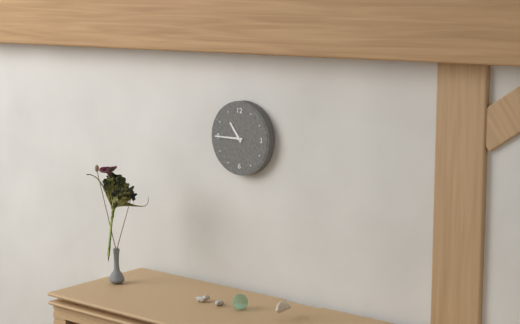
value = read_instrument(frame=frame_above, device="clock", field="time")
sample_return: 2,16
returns 10,45
